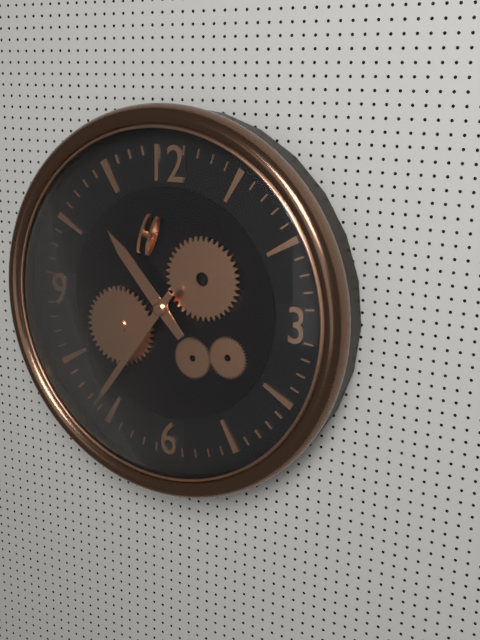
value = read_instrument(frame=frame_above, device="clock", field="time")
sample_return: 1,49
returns 10,36
